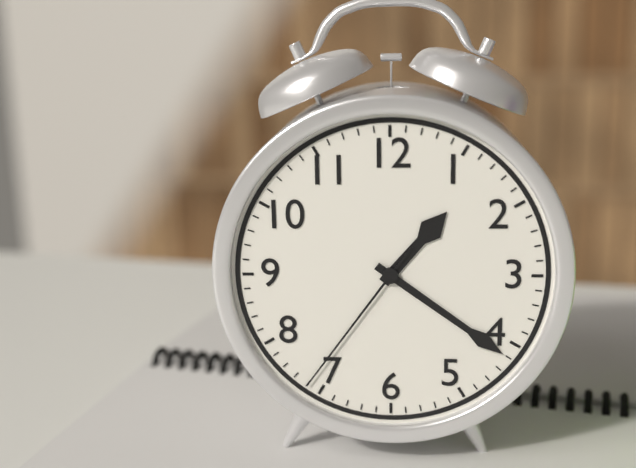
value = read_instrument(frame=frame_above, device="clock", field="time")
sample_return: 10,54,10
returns 1,21,36
